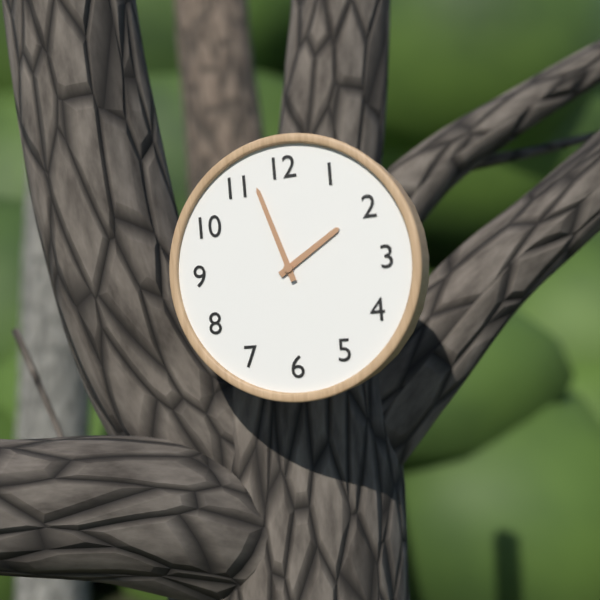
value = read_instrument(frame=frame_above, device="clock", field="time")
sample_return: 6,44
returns 1,57
